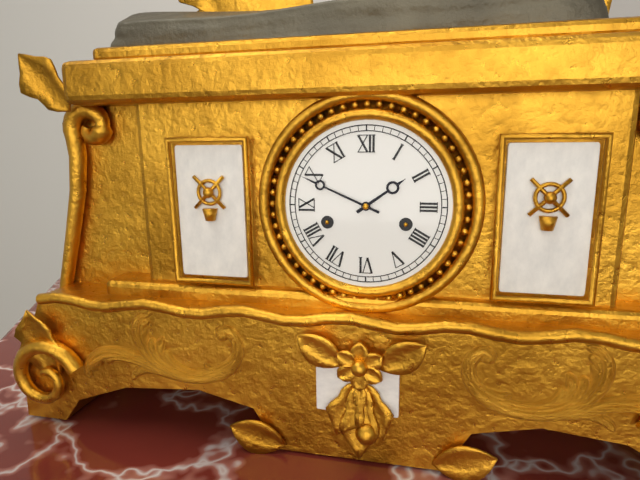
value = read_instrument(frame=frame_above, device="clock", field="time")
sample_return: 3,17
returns 1,49
